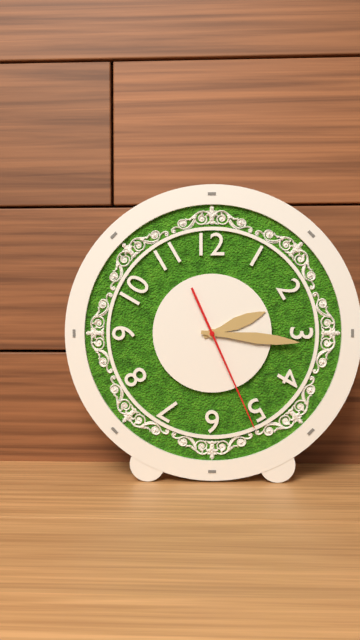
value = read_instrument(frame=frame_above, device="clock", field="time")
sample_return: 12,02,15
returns 2,16,26
